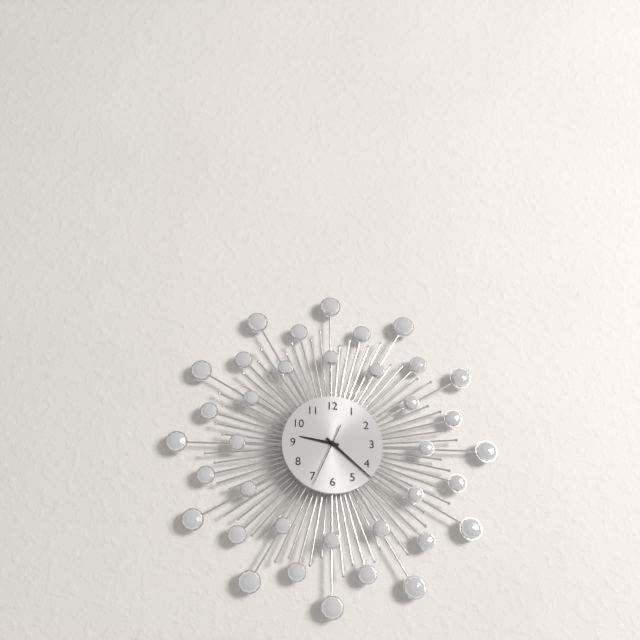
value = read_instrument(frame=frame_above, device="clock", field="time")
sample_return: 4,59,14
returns 9,22,34
